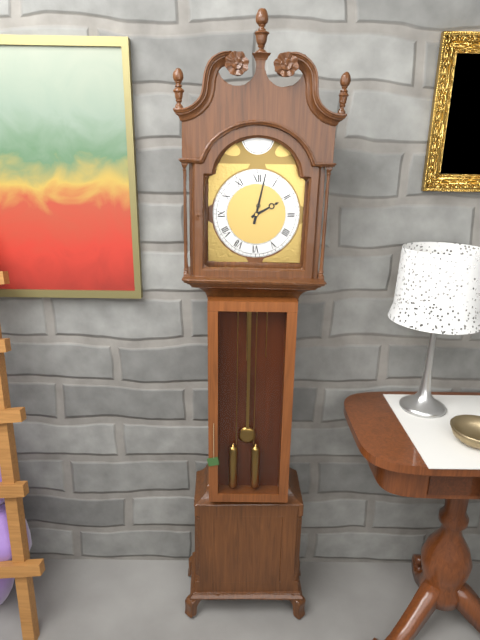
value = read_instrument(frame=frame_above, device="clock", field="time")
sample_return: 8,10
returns 2,02
